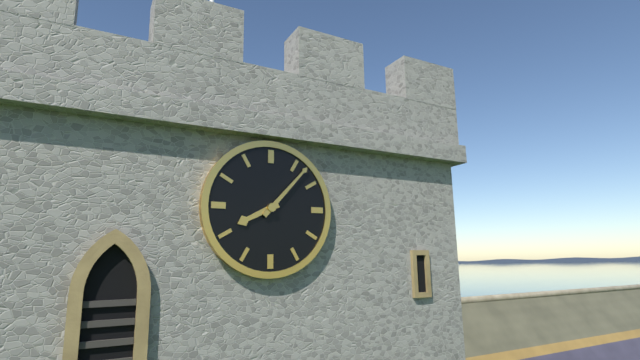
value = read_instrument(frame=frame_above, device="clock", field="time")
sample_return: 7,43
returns 8,07
